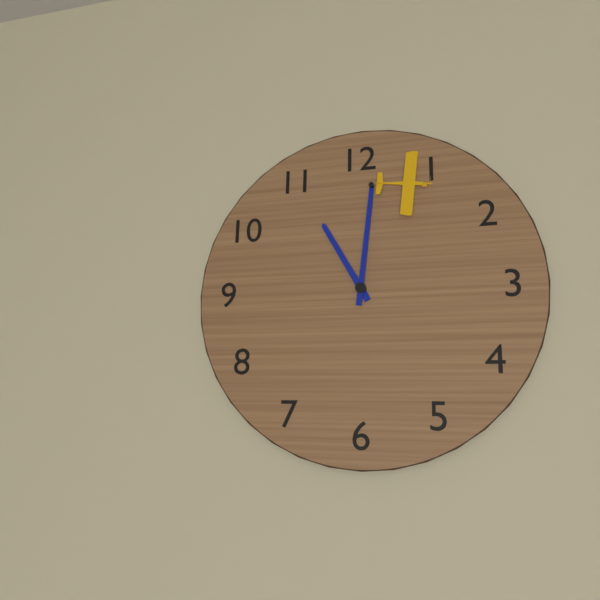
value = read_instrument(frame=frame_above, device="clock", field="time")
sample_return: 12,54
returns 11,01
